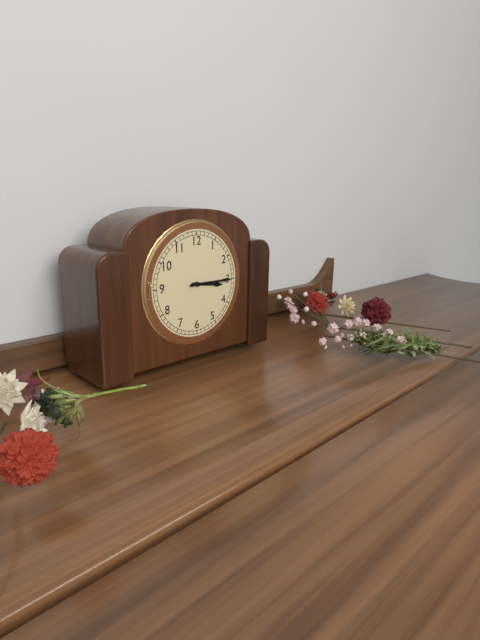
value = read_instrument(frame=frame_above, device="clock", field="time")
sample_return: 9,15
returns 3,15
